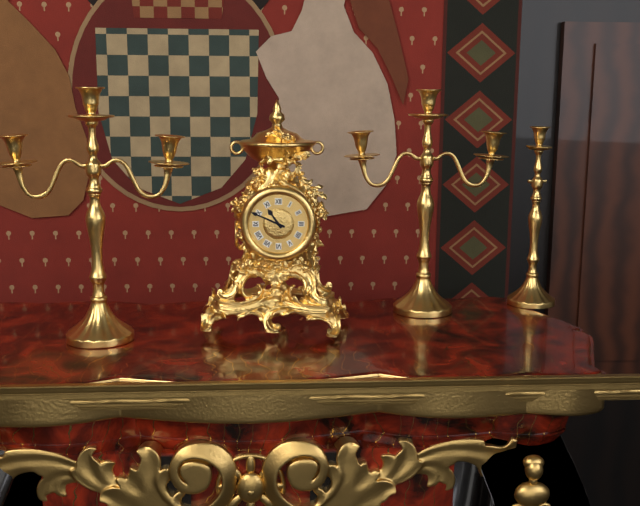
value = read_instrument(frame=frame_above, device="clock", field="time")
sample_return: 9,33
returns 10,49
